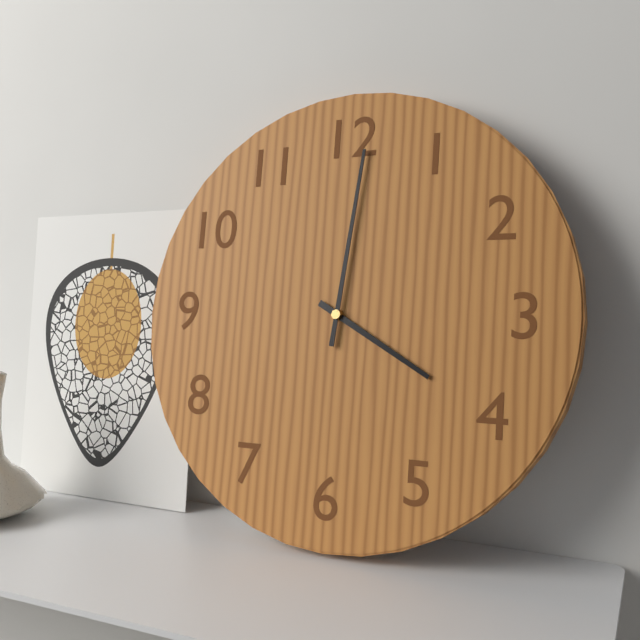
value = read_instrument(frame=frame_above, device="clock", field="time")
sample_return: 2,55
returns 4,01
